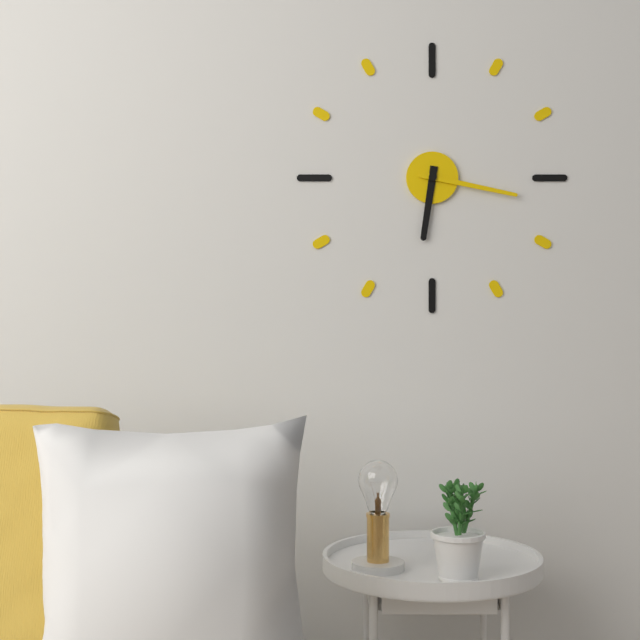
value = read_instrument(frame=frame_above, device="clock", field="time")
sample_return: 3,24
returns 6,17
